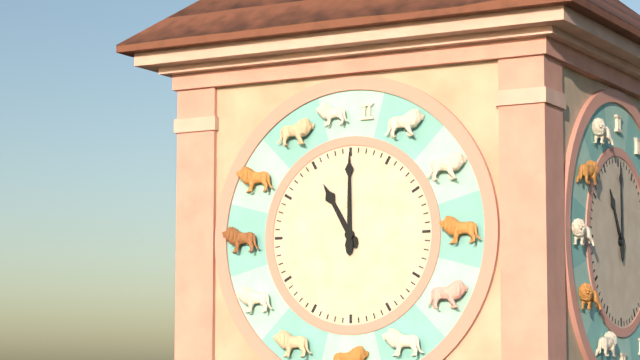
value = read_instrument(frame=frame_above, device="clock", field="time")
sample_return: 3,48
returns 11,00
